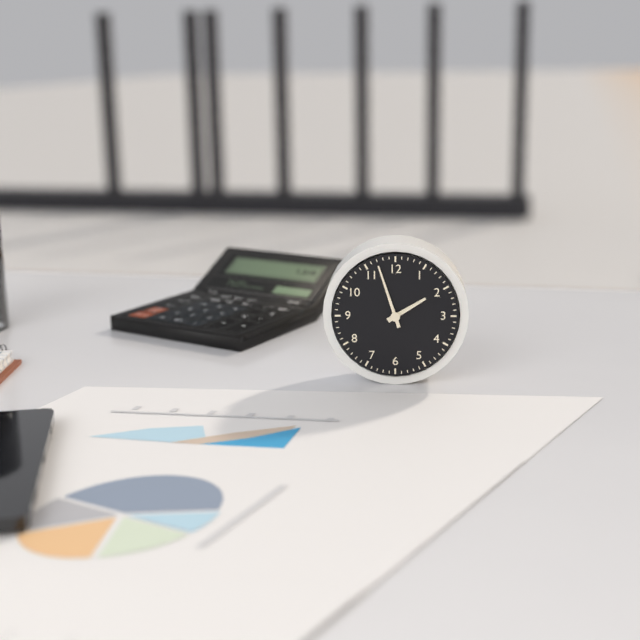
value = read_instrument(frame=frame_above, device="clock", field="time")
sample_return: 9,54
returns 1,57
